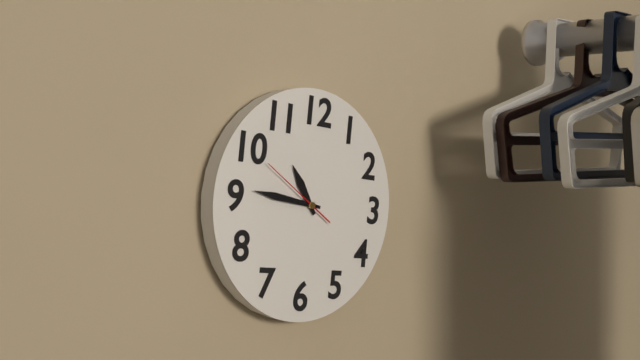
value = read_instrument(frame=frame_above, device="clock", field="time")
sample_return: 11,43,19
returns 10,46,50
